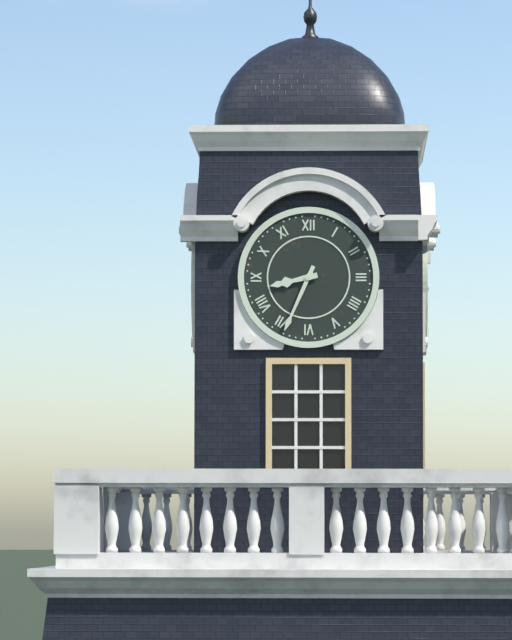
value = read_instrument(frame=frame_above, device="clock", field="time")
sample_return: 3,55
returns 8,34
